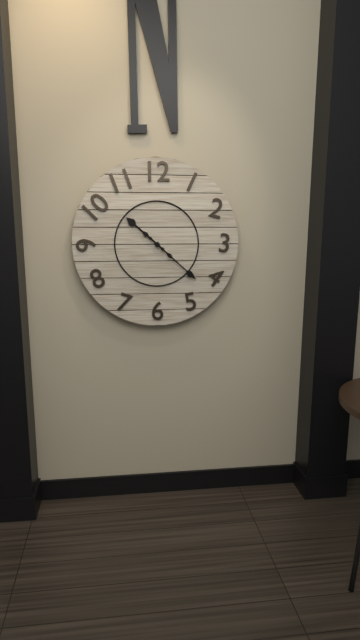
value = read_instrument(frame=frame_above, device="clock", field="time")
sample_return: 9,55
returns 10,22
